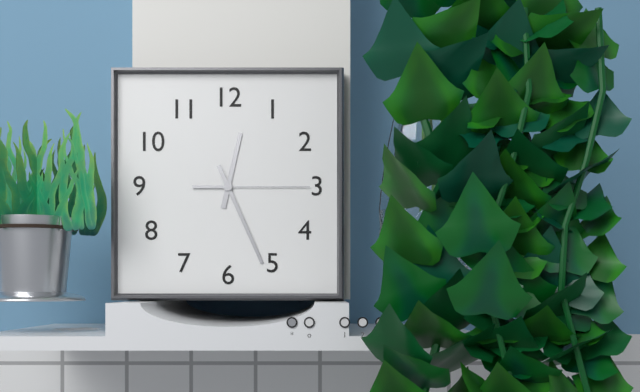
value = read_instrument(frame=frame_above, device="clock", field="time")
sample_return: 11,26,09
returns 12,26,15
